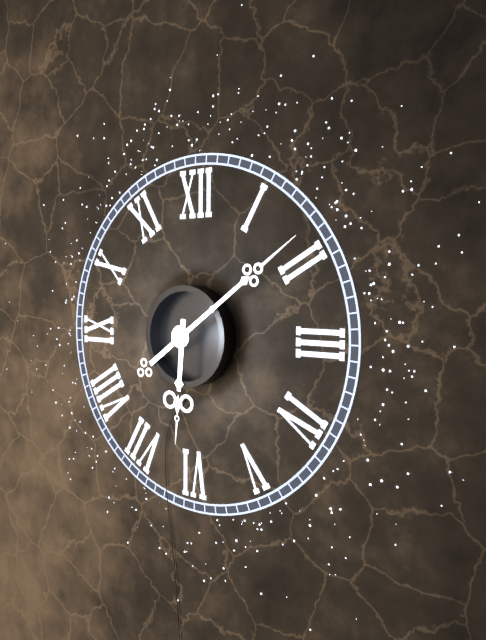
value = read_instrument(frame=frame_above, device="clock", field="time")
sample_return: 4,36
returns 6,09
